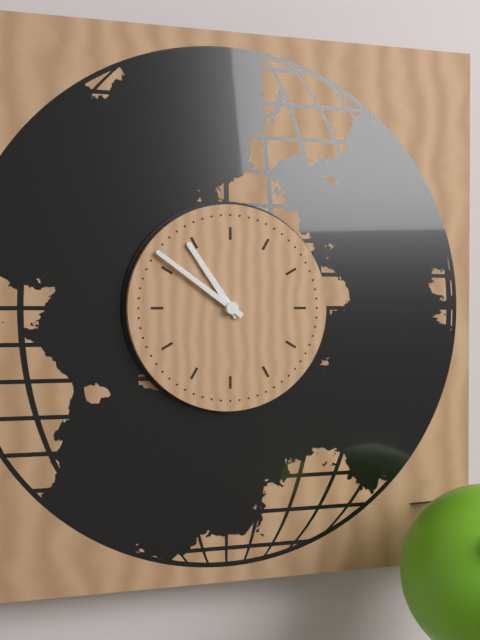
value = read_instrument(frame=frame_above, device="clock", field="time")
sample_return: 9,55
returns 10,51
